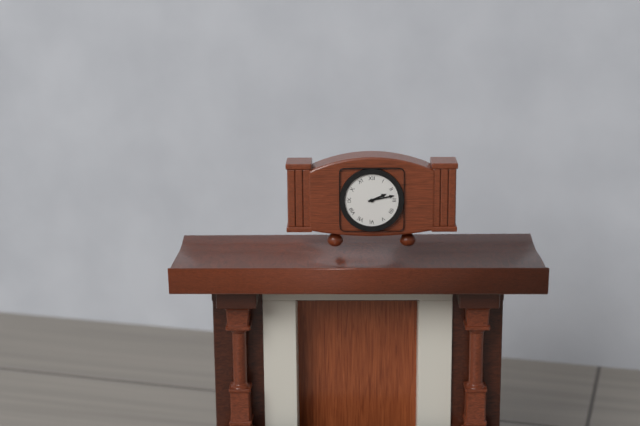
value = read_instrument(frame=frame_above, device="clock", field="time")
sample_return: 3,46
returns 2,13
